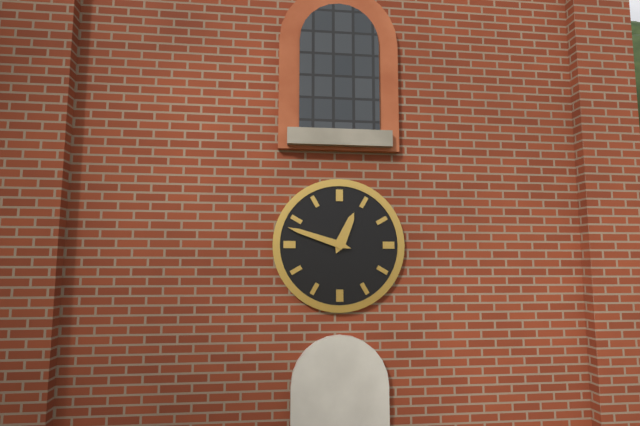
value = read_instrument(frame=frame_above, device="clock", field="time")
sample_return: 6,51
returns 12,48
